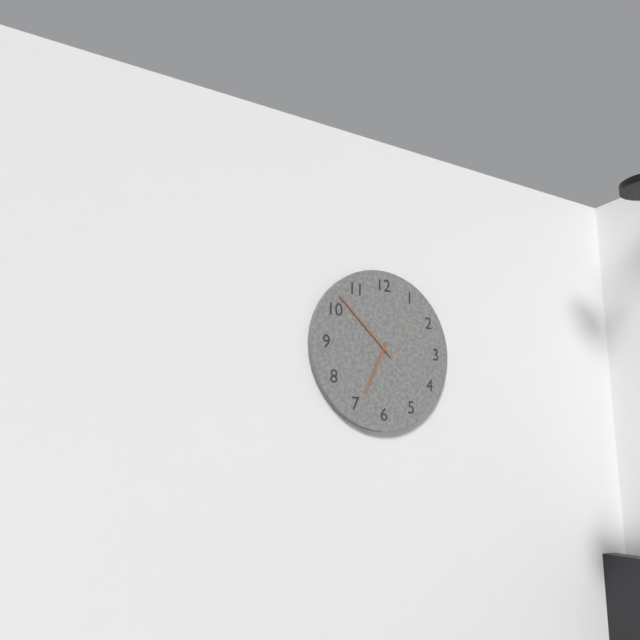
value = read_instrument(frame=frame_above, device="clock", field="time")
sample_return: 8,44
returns 6,52
